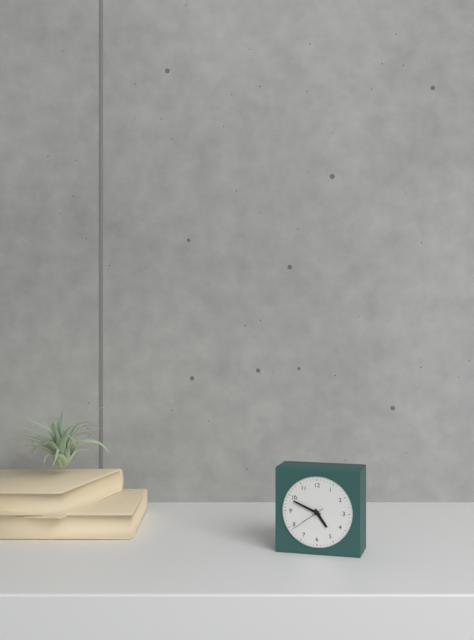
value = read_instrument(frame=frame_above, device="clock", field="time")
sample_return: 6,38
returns 4,49
